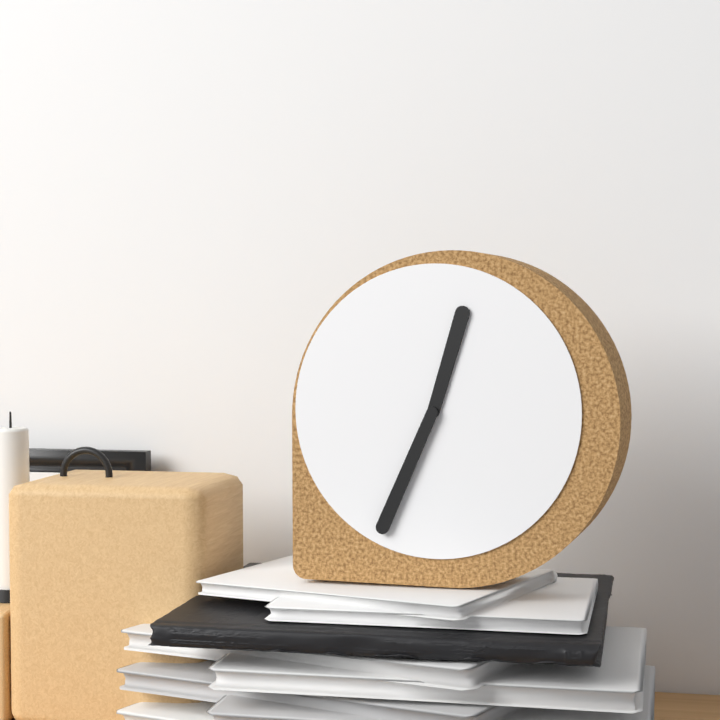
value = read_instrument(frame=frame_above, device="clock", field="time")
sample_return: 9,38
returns 12,34
